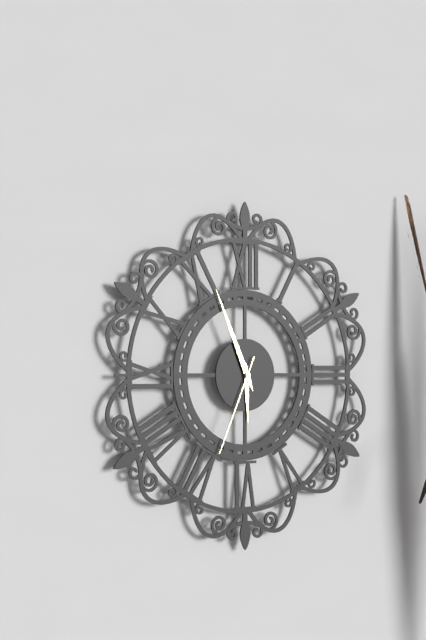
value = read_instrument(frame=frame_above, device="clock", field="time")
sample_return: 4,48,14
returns 5,56,34
